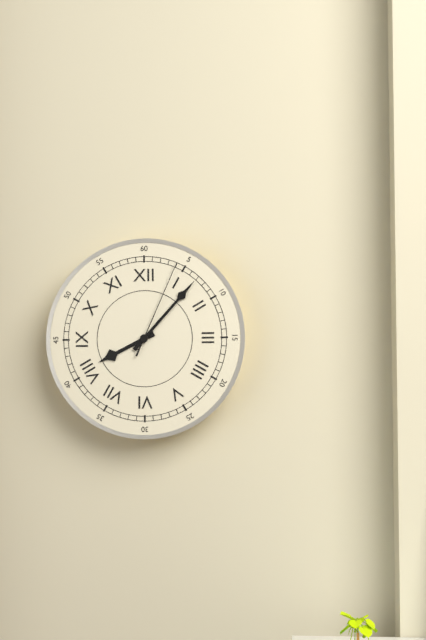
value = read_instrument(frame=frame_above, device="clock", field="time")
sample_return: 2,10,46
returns 8,07,04
